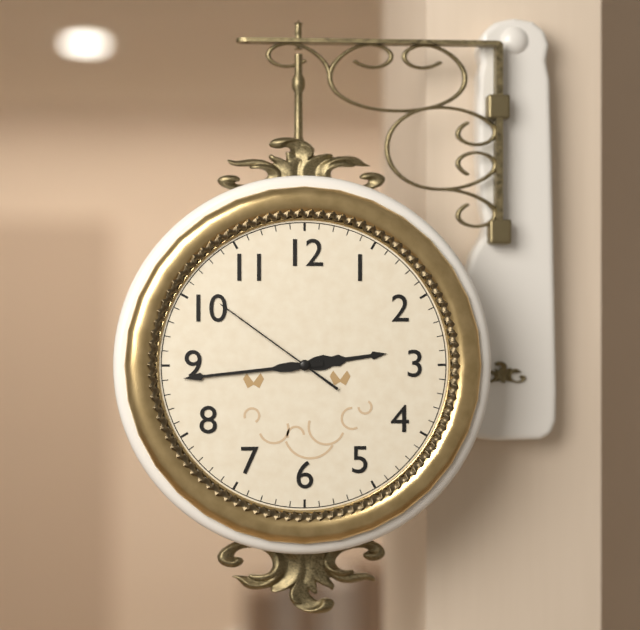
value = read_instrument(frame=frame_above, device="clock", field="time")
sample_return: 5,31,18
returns 2,44,51
